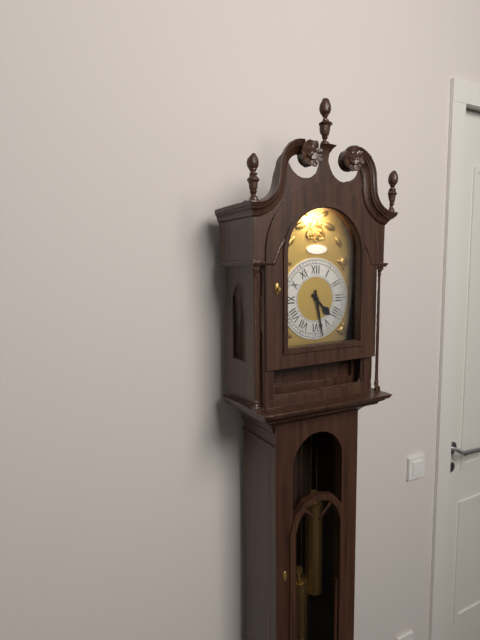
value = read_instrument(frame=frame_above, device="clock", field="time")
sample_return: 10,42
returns 4,28
